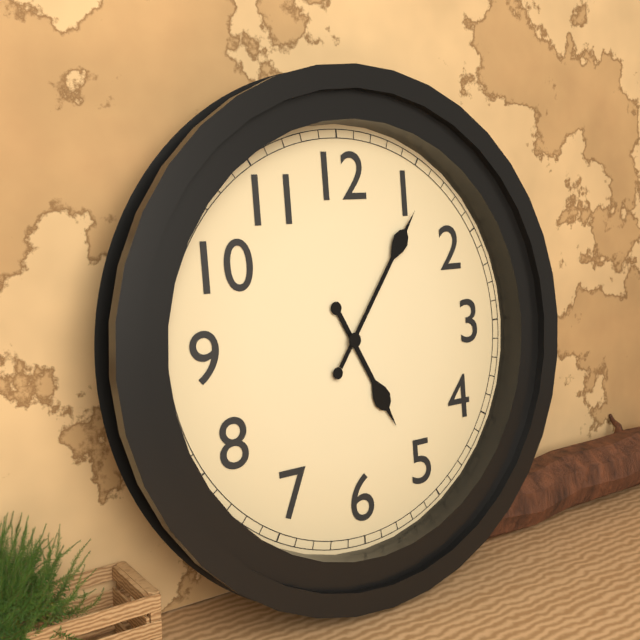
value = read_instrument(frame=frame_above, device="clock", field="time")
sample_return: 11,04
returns 5,06
